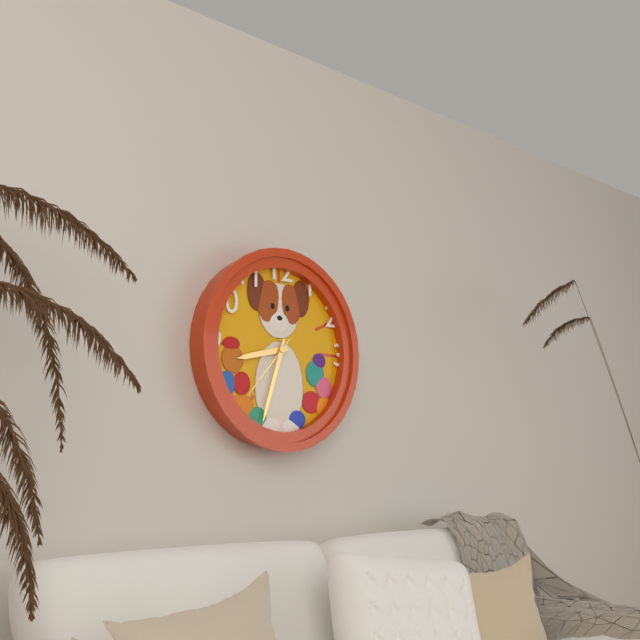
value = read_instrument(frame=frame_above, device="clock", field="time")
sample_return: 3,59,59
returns 8,33,37
